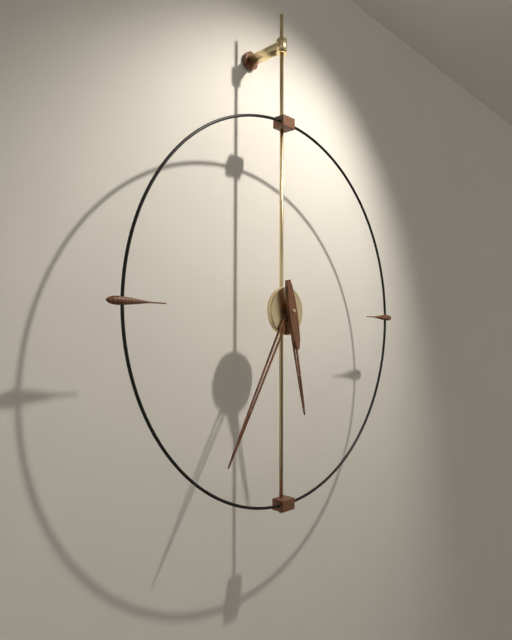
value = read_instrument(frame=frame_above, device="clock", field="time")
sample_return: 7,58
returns 5,35
